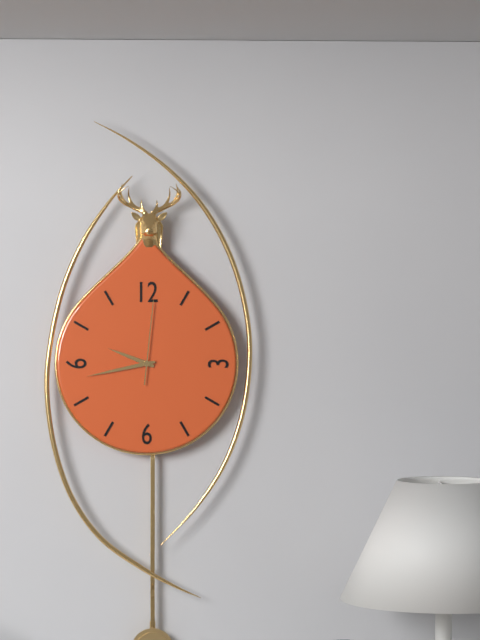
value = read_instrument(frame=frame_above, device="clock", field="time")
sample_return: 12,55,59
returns 9,43,01
